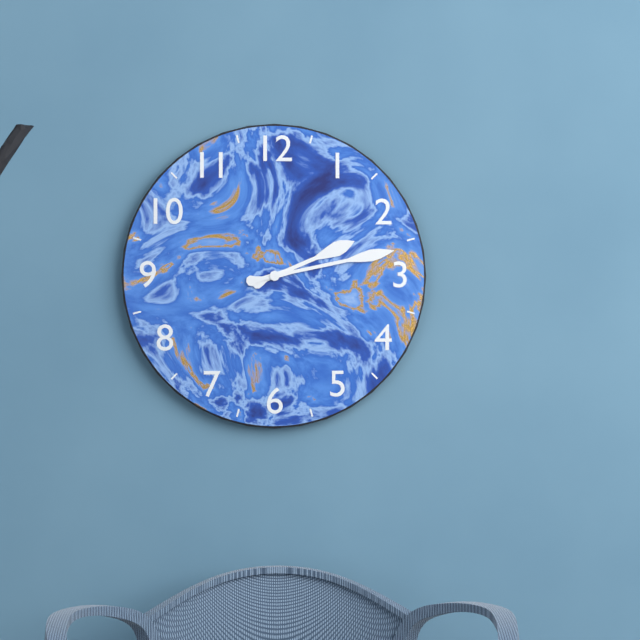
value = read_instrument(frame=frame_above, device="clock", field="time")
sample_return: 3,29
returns 2,13
